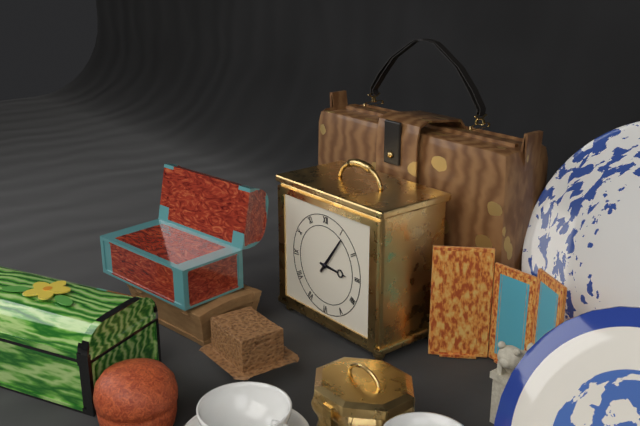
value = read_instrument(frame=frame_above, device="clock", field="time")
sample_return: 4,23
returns 3,06
